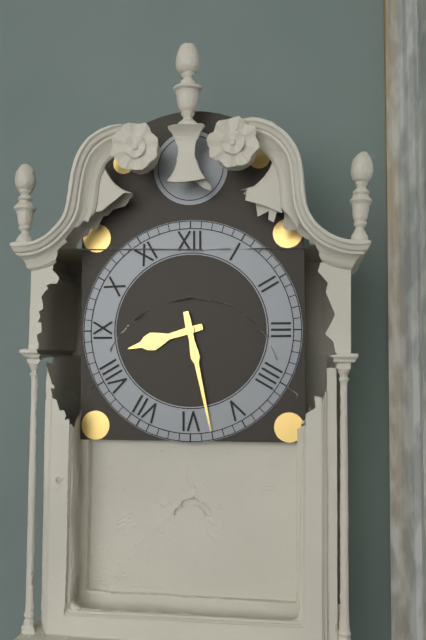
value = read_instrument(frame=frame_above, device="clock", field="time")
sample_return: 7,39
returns 8,28
